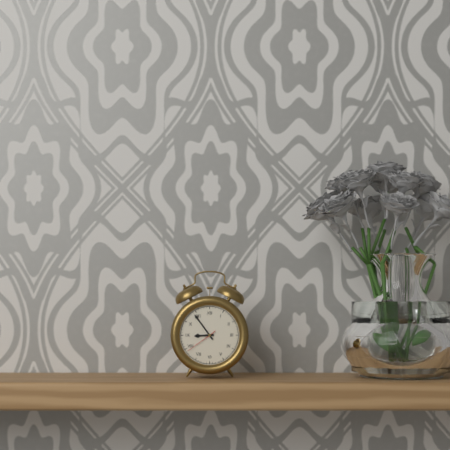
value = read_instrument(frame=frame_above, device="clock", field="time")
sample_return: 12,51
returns 8,54
